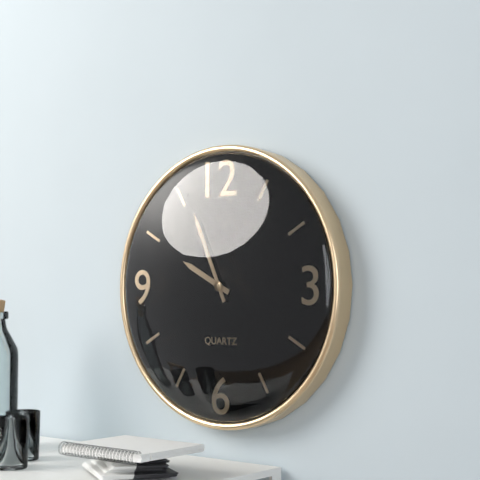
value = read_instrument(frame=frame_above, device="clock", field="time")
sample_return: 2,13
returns 9,56
